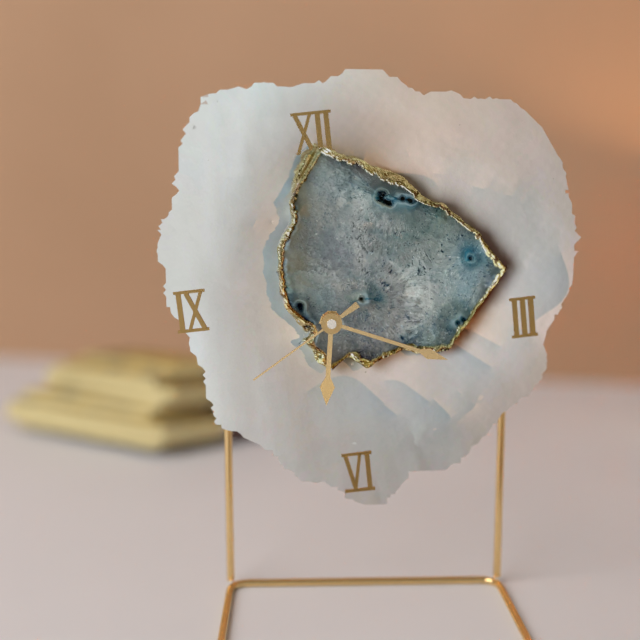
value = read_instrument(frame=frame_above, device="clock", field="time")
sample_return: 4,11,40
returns 6,19,40
